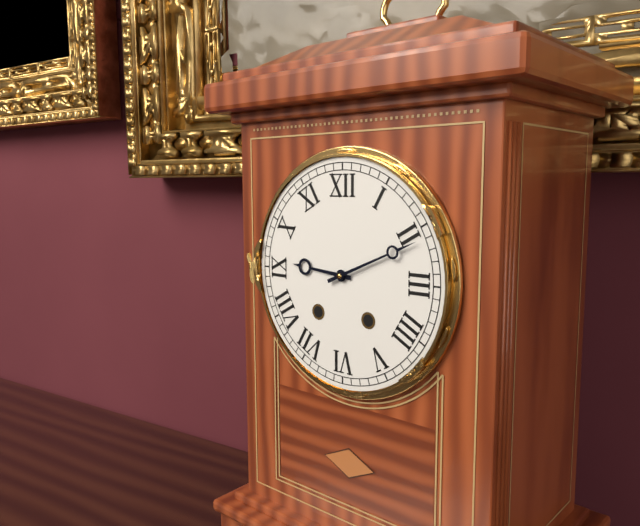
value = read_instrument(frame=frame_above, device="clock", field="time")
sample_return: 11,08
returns 9,11
